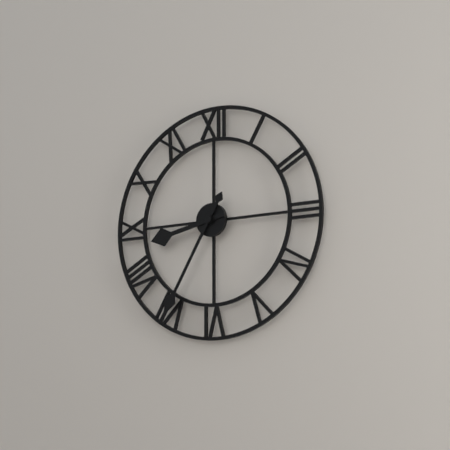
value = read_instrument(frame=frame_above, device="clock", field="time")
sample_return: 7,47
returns 8,35
